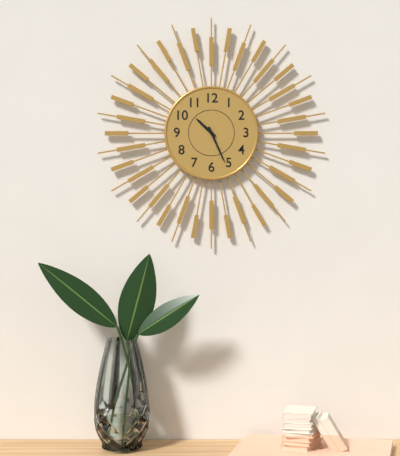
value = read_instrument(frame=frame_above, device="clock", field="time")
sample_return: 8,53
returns 10,26
